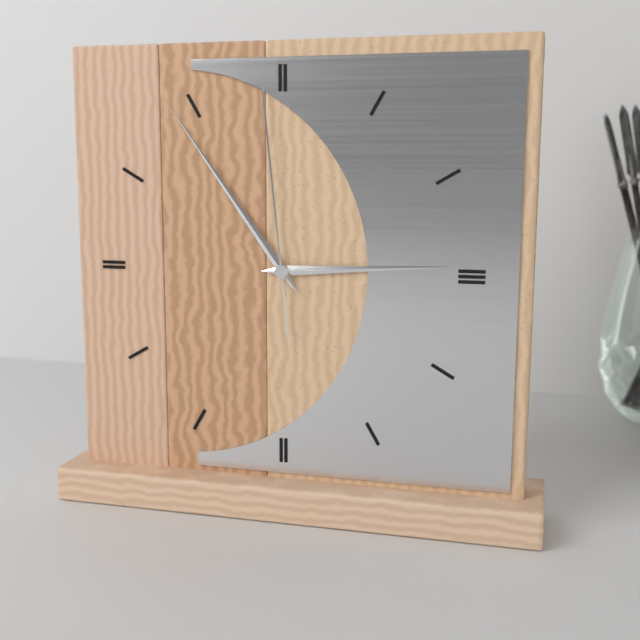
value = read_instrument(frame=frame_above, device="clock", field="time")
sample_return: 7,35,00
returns 2,54,59
